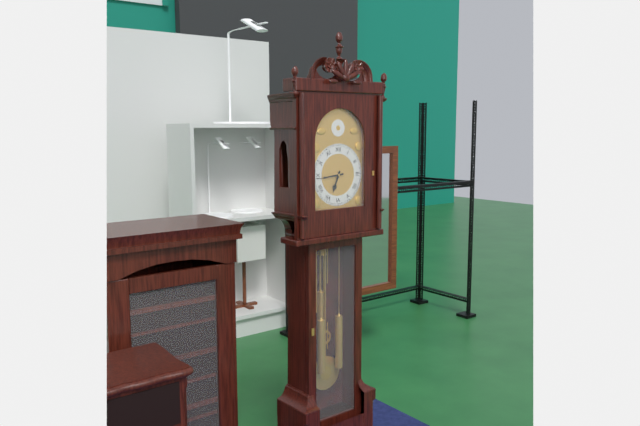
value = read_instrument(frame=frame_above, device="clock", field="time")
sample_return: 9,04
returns 6,44
